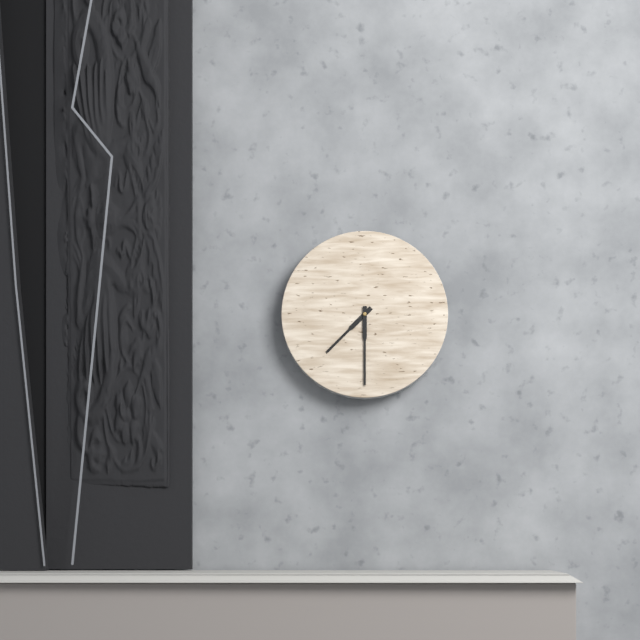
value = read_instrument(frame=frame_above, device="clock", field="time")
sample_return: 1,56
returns 7,30
